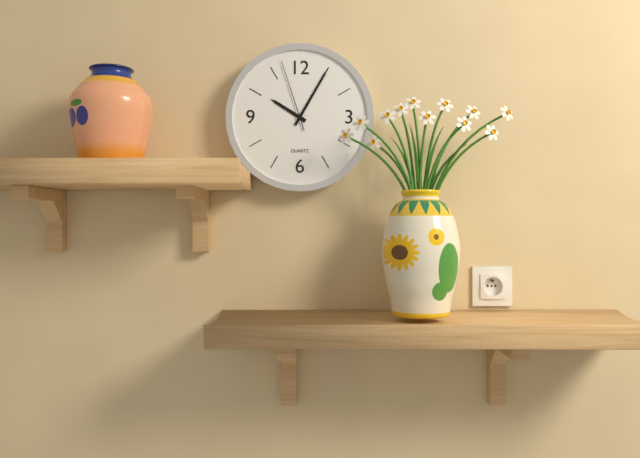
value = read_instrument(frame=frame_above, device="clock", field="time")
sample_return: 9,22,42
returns 10,05,57
